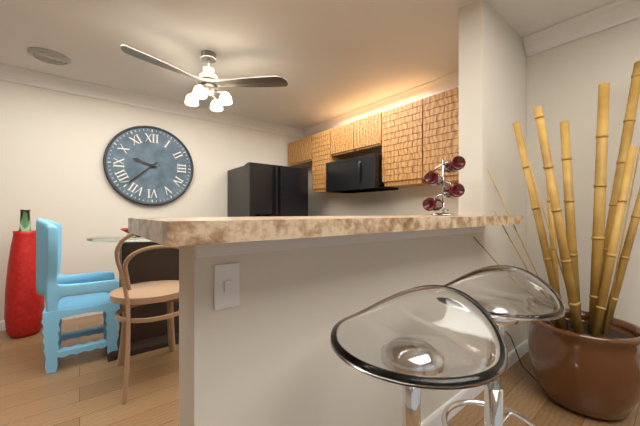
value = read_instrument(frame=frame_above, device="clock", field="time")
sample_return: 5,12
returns 9,38
